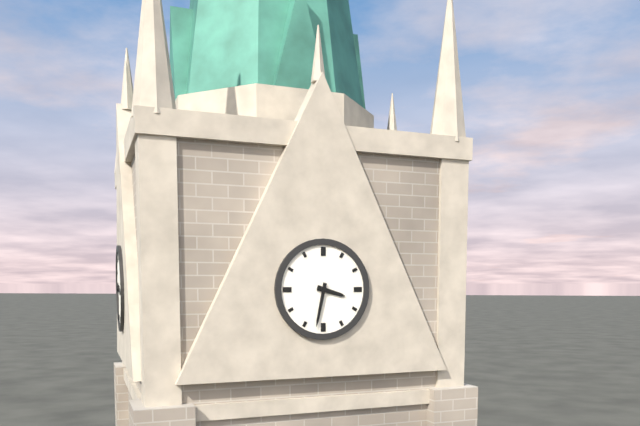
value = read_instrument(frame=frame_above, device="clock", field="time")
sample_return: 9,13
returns 3,32
